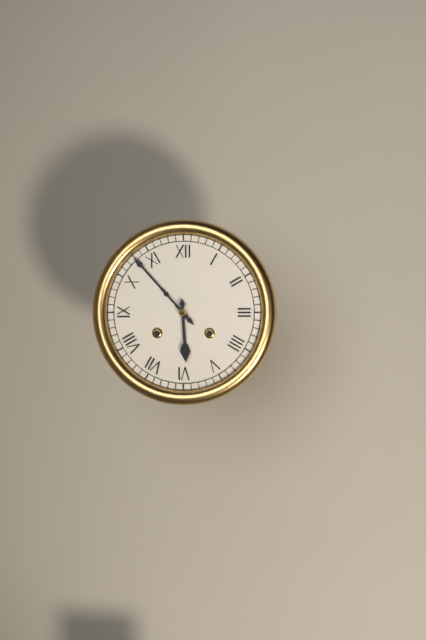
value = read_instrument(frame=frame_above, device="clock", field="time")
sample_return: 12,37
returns 5,53
